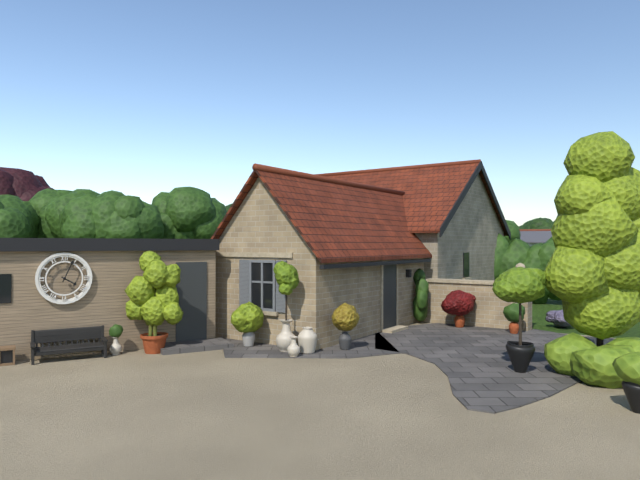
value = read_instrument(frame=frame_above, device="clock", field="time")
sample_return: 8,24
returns 4,04
